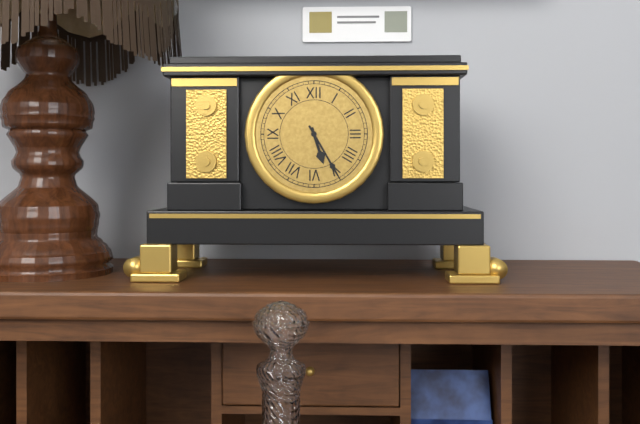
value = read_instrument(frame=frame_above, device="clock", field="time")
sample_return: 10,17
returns 5,25
